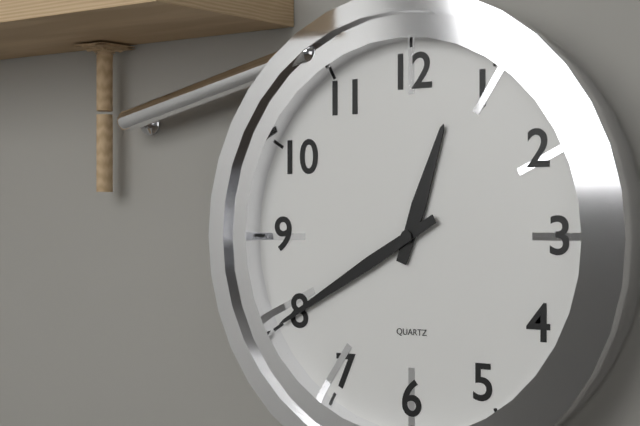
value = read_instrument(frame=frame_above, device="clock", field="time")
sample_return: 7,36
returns 12,40
